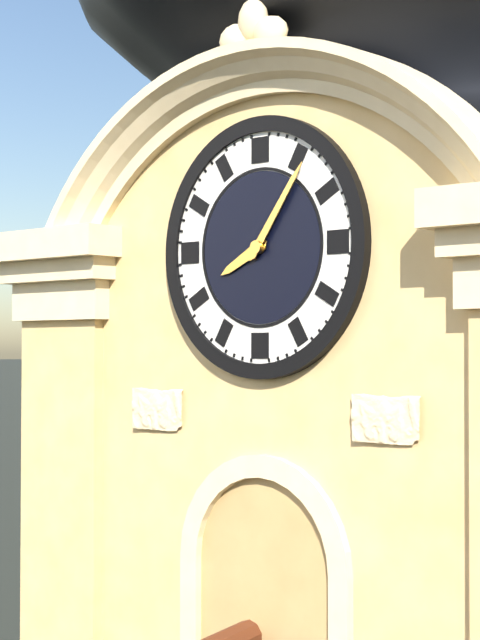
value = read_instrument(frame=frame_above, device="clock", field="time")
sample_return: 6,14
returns 8,06
